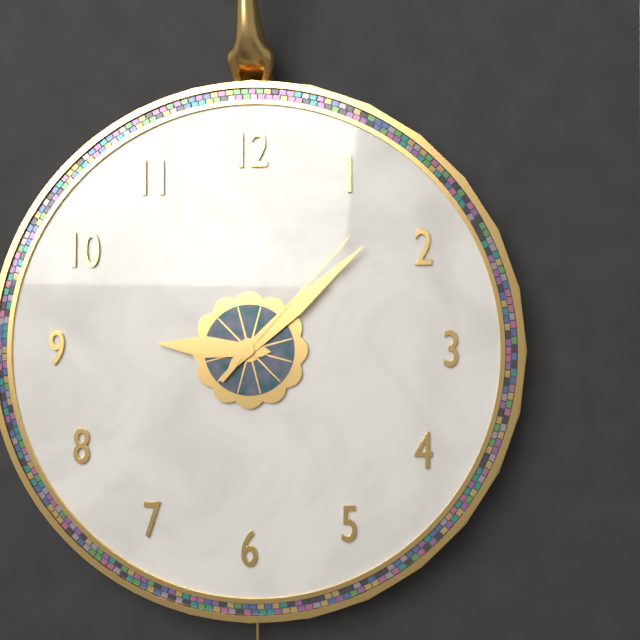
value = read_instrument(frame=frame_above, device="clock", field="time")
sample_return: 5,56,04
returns 9,08,07
